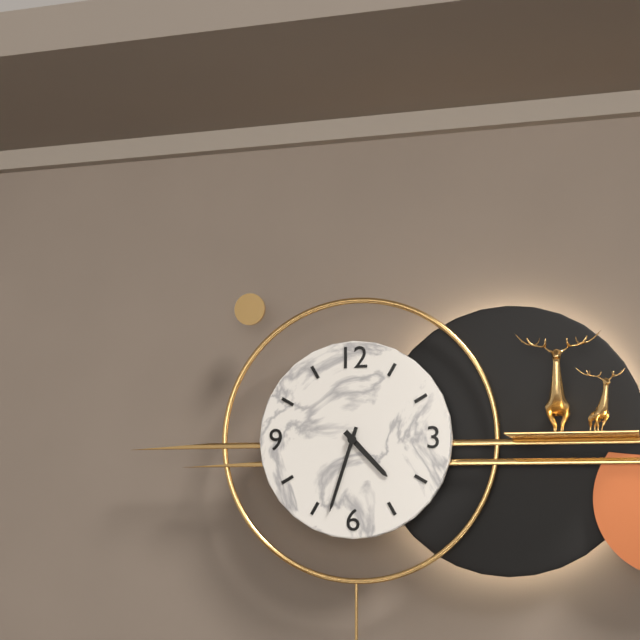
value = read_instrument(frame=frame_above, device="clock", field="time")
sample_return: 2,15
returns 4,33
